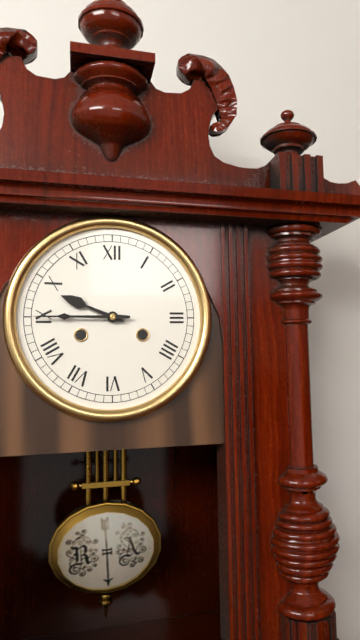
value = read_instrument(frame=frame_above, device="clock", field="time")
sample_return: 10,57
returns 9,45
